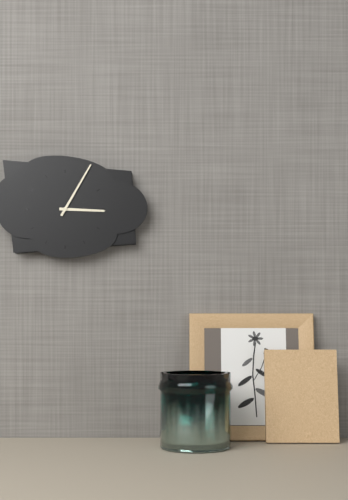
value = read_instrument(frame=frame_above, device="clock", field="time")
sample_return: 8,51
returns 3,05
